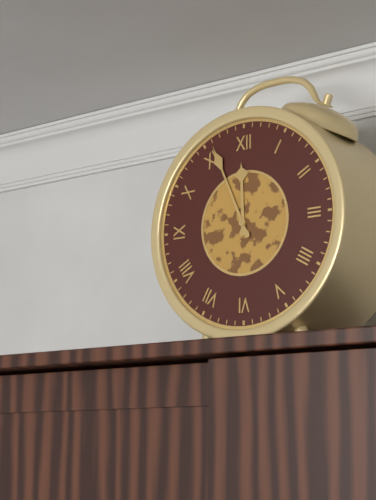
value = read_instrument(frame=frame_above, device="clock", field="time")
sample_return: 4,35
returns 11,56
